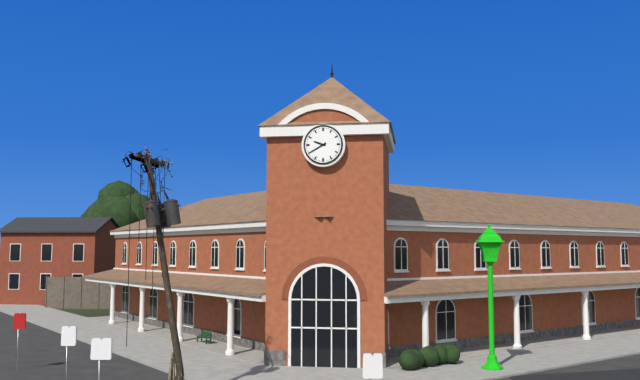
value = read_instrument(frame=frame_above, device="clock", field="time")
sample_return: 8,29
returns 9,40
